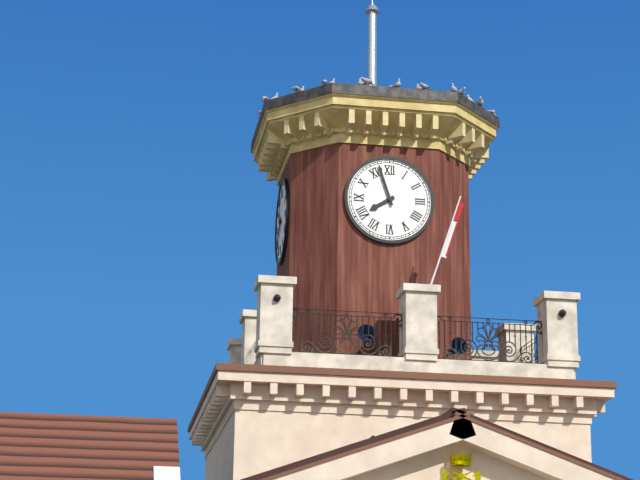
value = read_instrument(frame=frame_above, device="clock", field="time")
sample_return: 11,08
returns 7,57
